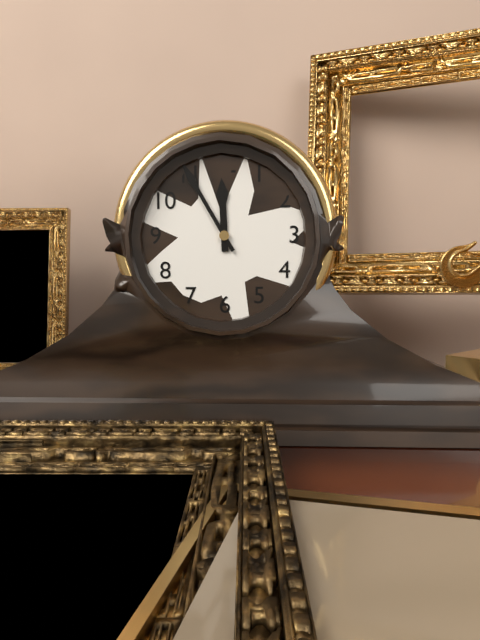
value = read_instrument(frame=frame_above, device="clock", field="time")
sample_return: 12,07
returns 11,55
